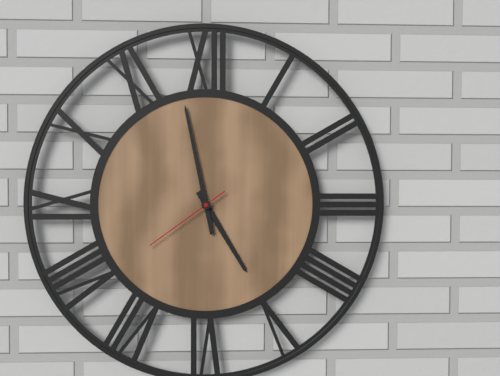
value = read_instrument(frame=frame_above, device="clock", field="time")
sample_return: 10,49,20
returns 4,58,39
